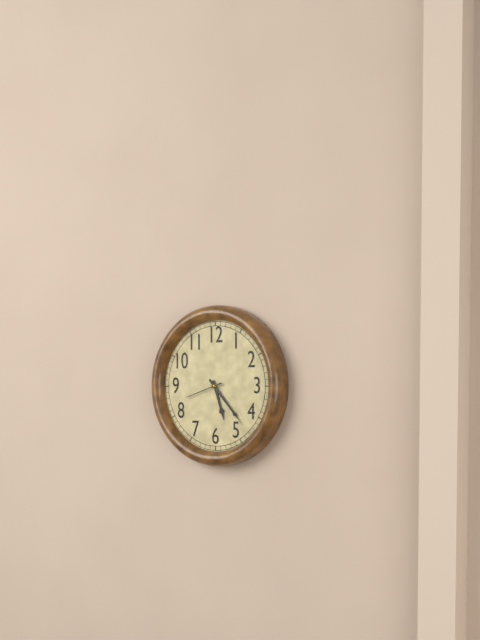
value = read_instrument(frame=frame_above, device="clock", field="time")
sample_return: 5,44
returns 5,23
